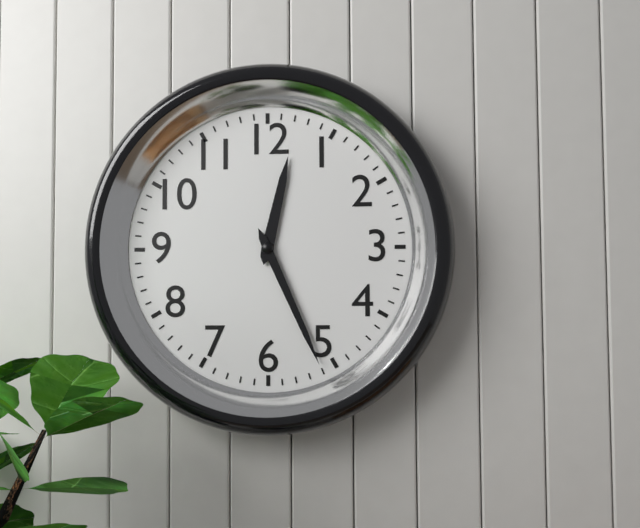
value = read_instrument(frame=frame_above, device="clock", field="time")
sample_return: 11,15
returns 12,26
